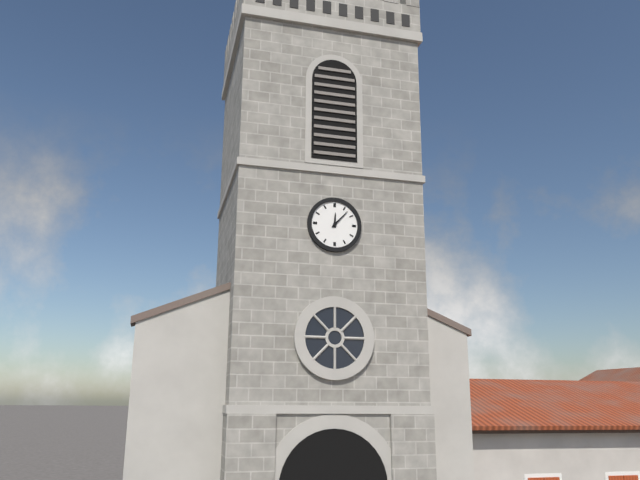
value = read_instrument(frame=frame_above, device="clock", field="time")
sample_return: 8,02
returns 12,07
